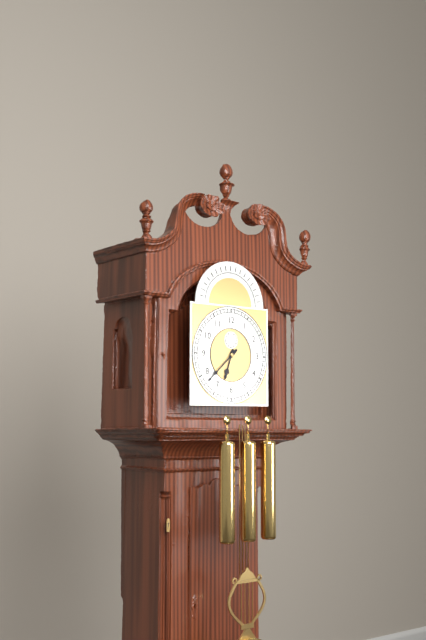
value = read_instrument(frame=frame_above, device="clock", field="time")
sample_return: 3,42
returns 6,38
